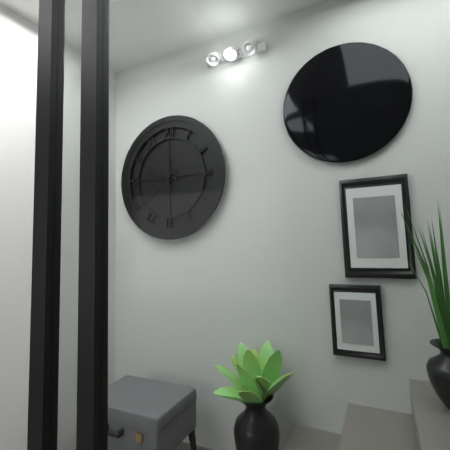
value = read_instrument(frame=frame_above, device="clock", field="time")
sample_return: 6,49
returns 9,38
